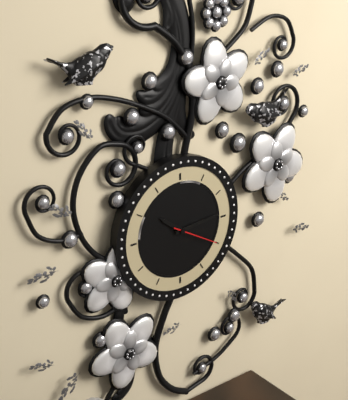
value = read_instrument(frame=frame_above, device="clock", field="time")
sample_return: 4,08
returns 10,14
